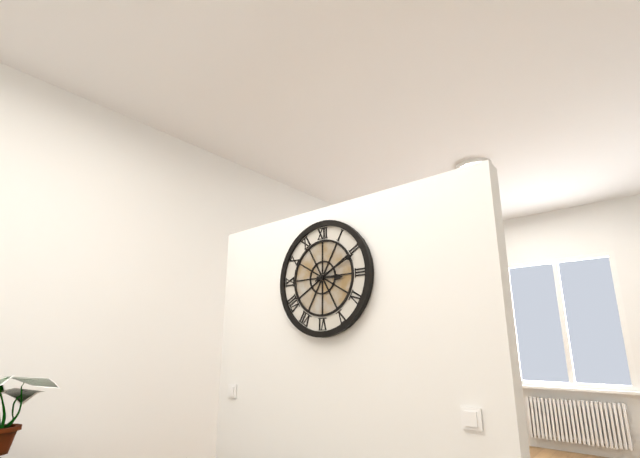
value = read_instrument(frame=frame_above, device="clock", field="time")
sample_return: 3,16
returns 3,11
